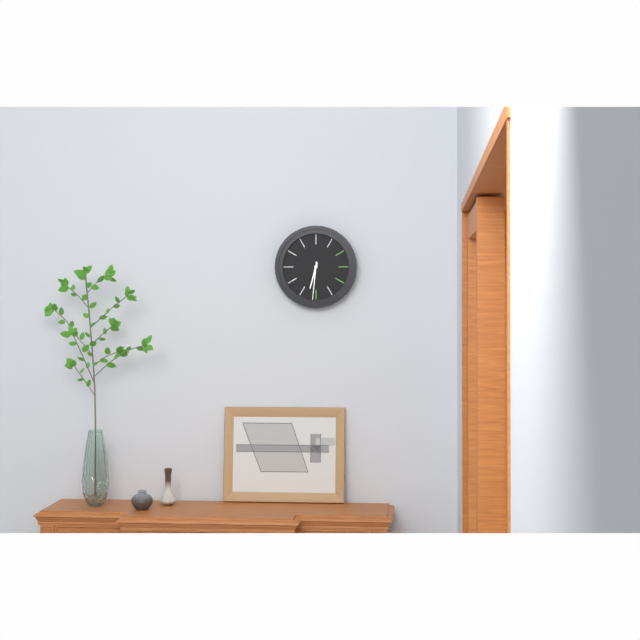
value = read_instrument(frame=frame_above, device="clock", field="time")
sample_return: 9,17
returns 6,31
